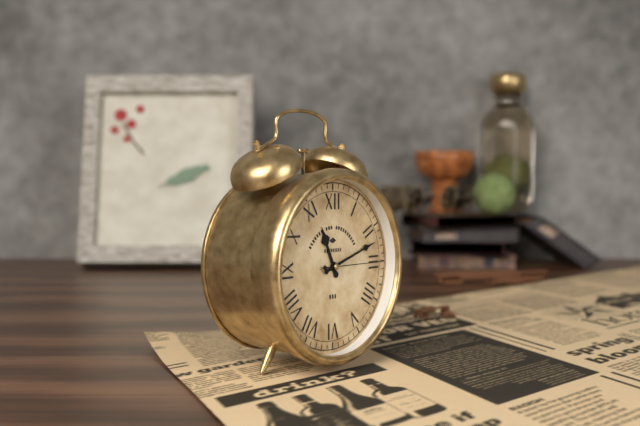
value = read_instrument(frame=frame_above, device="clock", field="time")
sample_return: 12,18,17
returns 11,12,15
